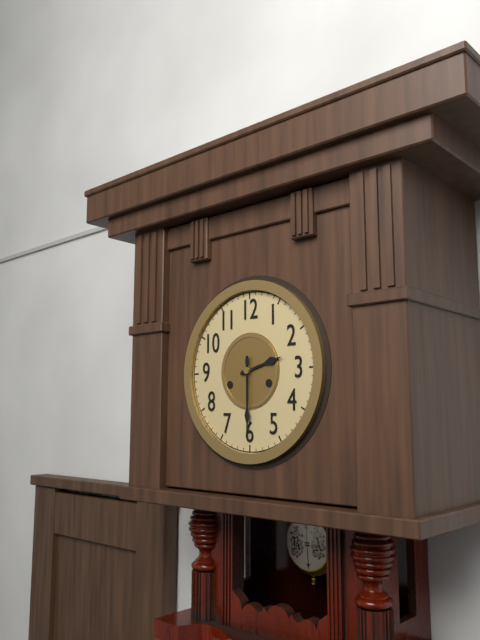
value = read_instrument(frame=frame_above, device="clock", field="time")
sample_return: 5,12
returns 2,30
